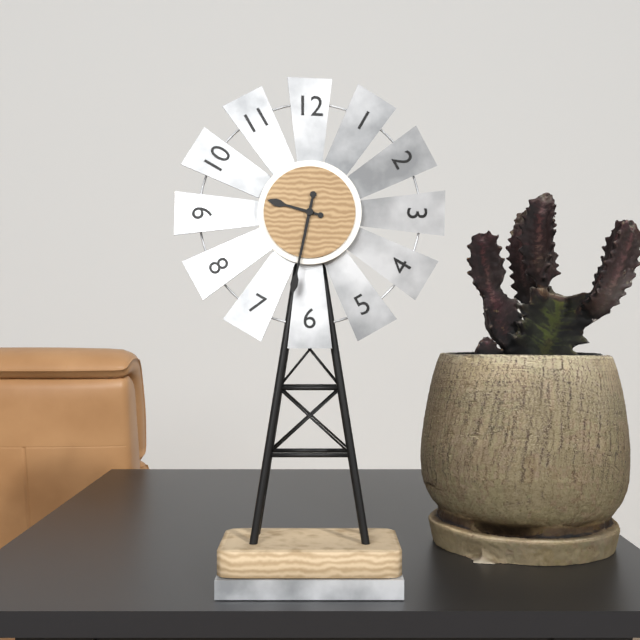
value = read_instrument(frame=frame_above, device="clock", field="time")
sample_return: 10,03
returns 9,32
